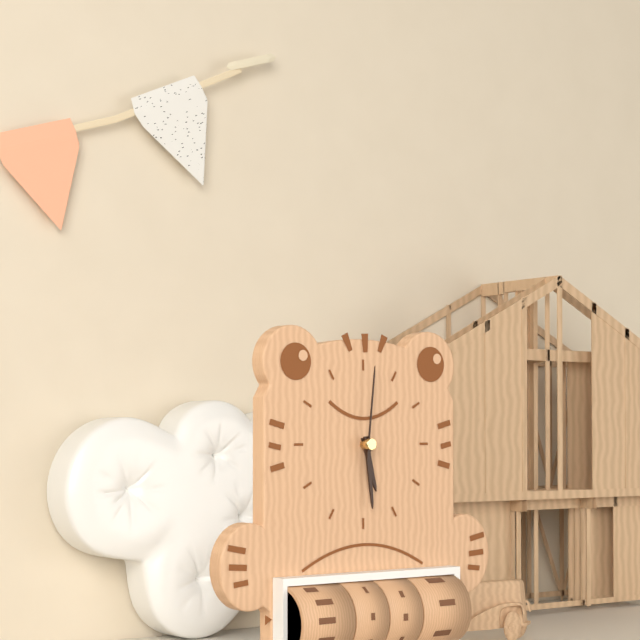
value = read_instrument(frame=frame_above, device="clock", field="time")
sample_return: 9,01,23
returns 5,29,01
